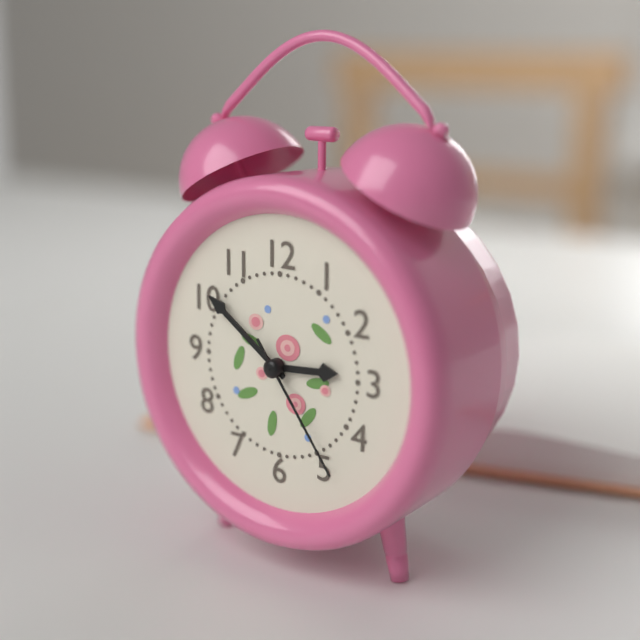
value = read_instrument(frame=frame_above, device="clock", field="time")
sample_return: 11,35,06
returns 2,51,24
